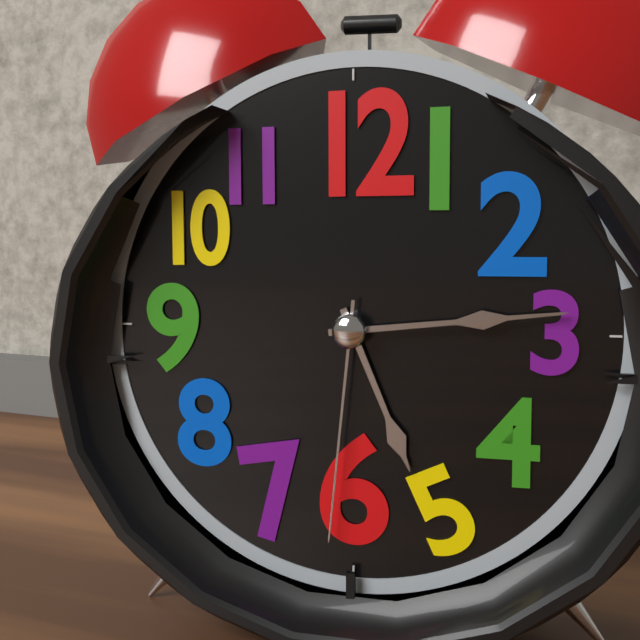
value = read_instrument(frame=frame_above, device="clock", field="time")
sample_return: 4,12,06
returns 5,14,31
